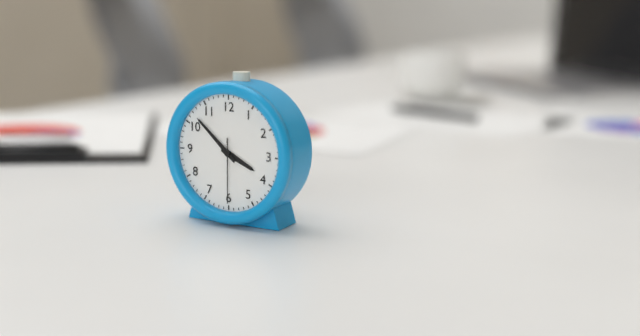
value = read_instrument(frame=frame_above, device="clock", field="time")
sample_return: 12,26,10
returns 3,52,30
